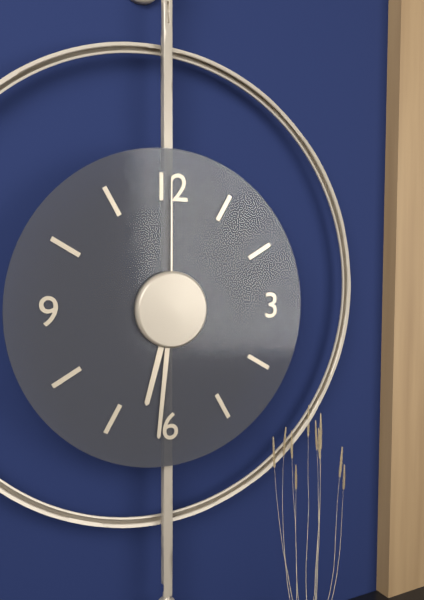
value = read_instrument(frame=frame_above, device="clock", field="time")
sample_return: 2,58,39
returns 6,31,00
